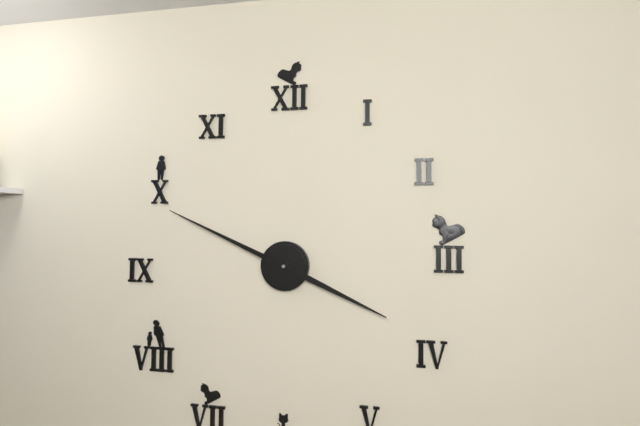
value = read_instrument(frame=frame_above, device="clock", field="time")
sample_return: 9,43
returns 3,49
